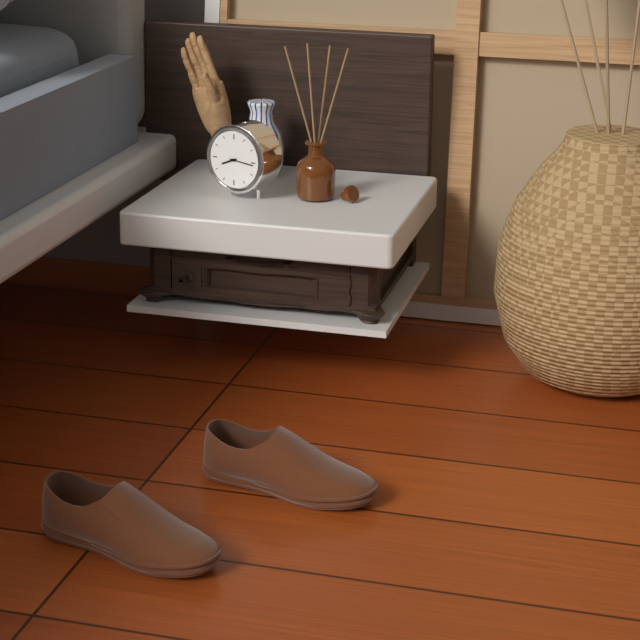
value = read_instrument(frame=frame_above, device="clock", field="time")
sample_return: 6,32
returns 8,16
